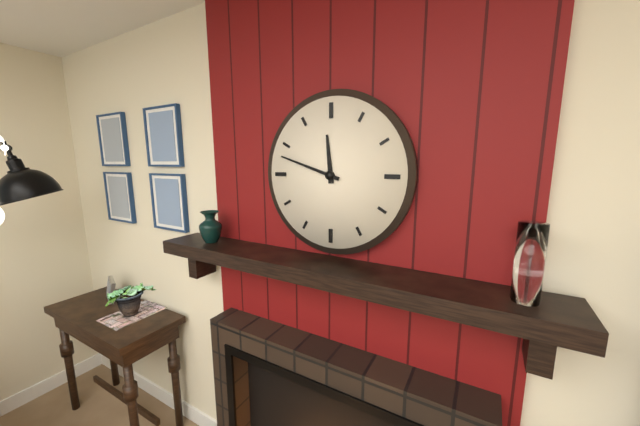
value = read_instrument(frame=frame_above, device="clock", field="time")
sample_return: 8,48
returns 11,48
